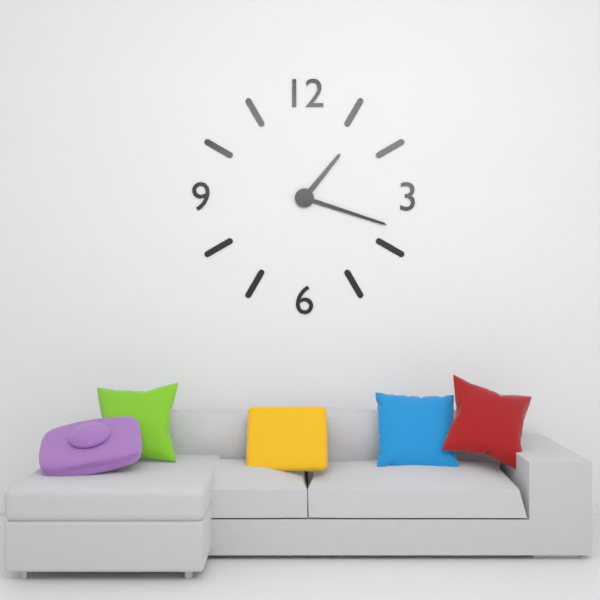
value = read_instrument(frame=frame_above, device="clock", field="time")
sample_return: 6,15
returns 1,18
